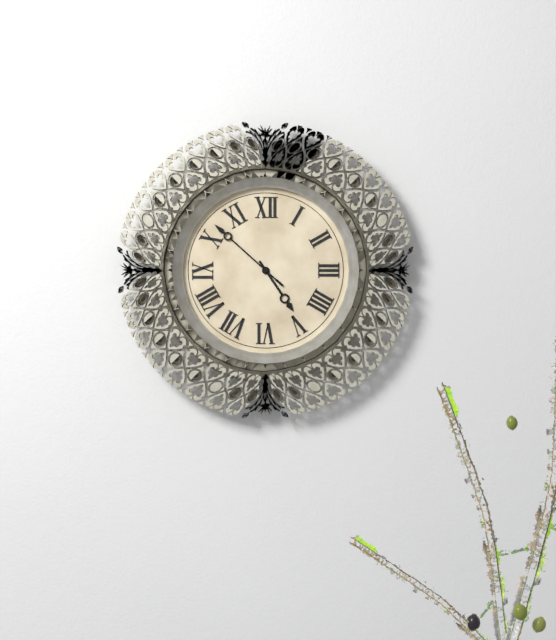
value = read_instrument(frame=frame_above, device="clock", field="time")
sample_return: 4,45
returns 4,52
